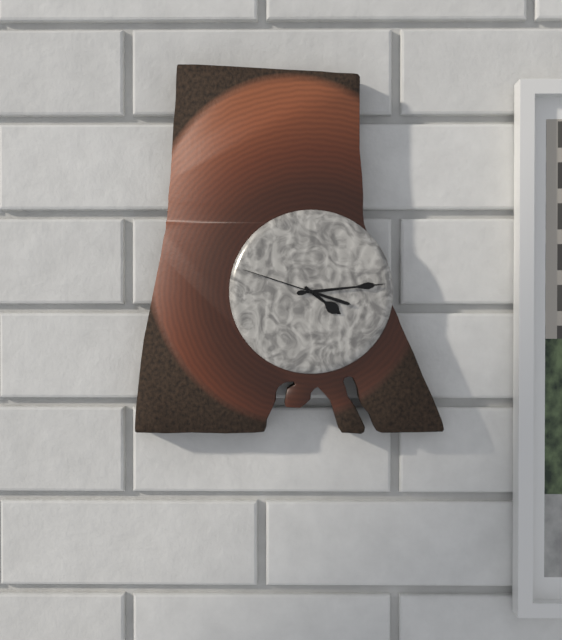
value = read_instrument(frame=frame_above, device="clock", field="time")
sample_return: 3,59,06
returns 4,14,48
